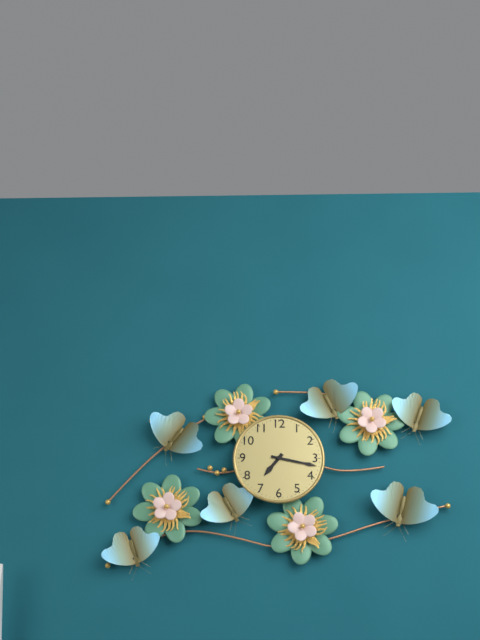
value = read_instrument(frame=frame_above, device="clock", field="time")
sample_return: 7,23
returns 7,17
